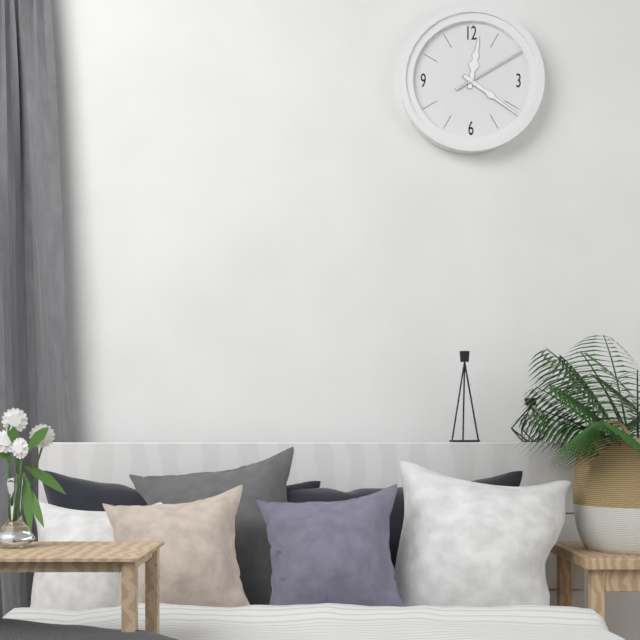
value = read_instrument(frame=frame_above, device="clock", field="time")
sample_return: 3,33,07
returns 12,21,10
